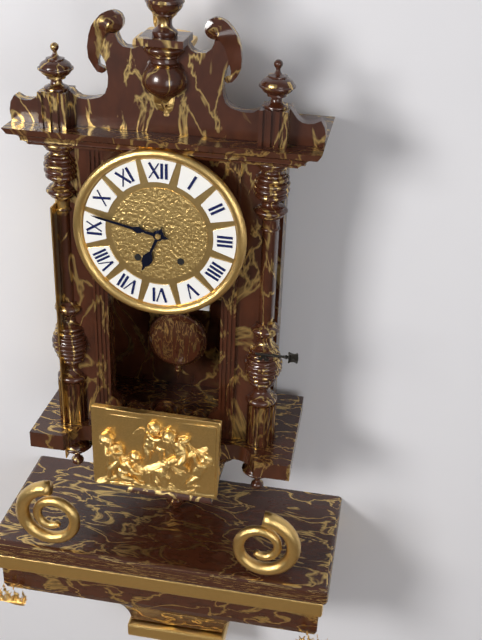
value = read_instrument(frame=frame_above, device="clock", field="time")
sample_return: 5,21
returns 6,47
